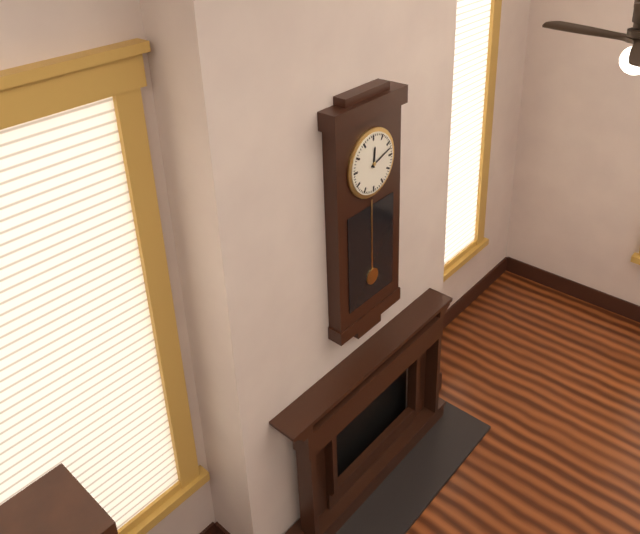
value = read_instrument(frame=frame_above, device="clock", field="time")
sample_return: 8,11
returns 12,12
